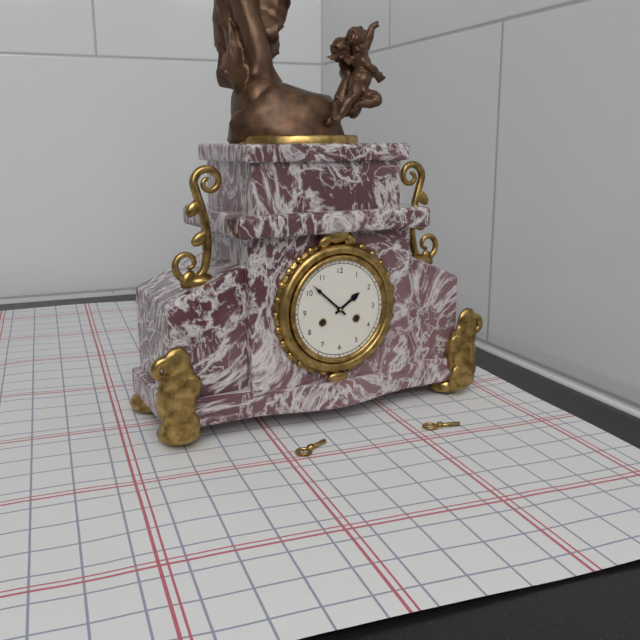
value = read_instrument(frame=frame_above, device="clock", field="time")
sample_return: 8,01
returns 1,52
